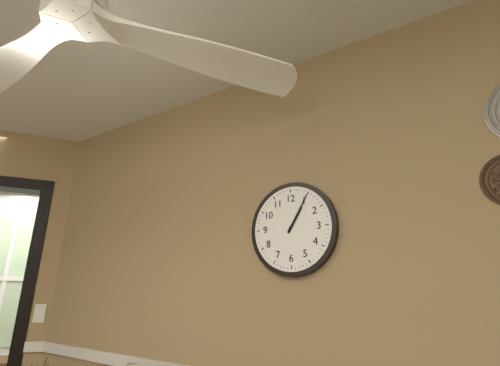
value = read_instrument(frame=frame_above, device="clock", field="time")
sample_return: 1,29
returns 1,05
